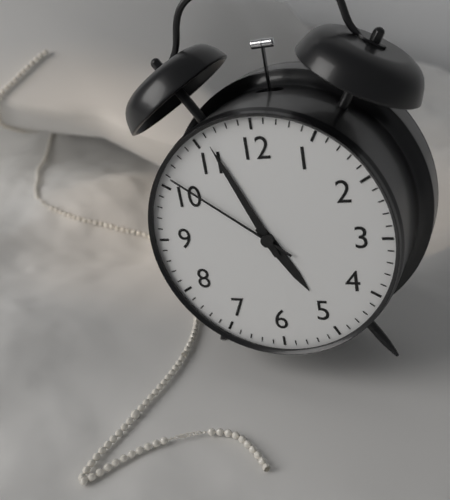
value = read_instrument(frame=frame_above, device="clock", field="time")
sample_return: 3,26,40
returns 4,56,51
